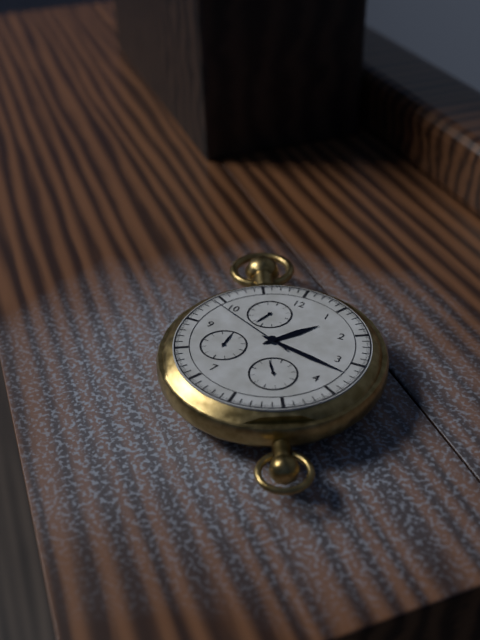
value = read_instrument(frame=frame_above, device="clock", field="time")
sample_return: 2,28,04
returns 1,17,49
